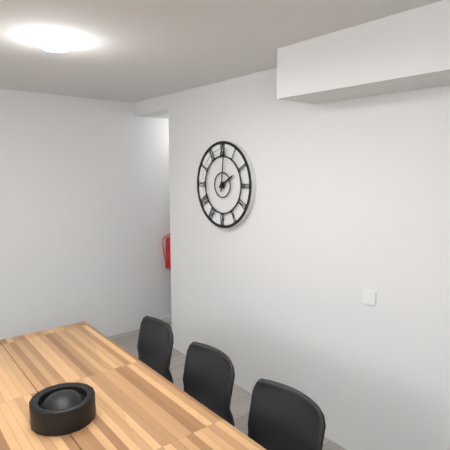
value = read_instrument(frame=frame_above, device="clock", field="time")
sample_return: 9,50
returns 2,01
